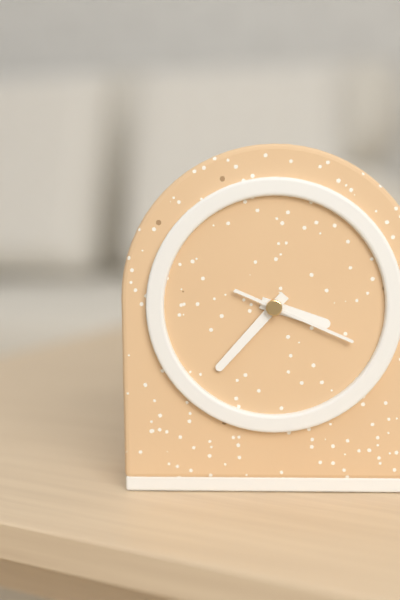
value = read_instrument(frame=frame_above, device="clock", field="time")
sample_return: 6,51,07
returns 3,37,19
